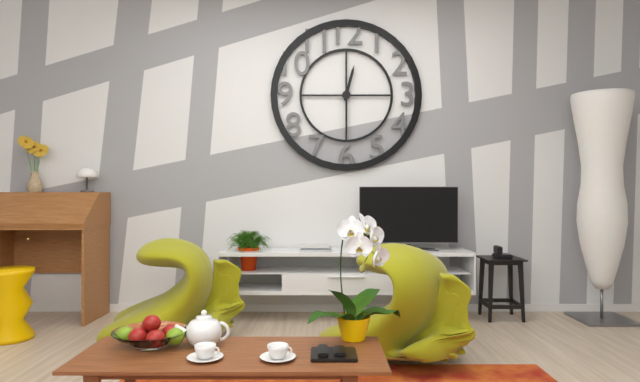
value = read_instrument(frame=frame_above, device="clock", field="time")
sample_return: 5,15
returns 12,30
